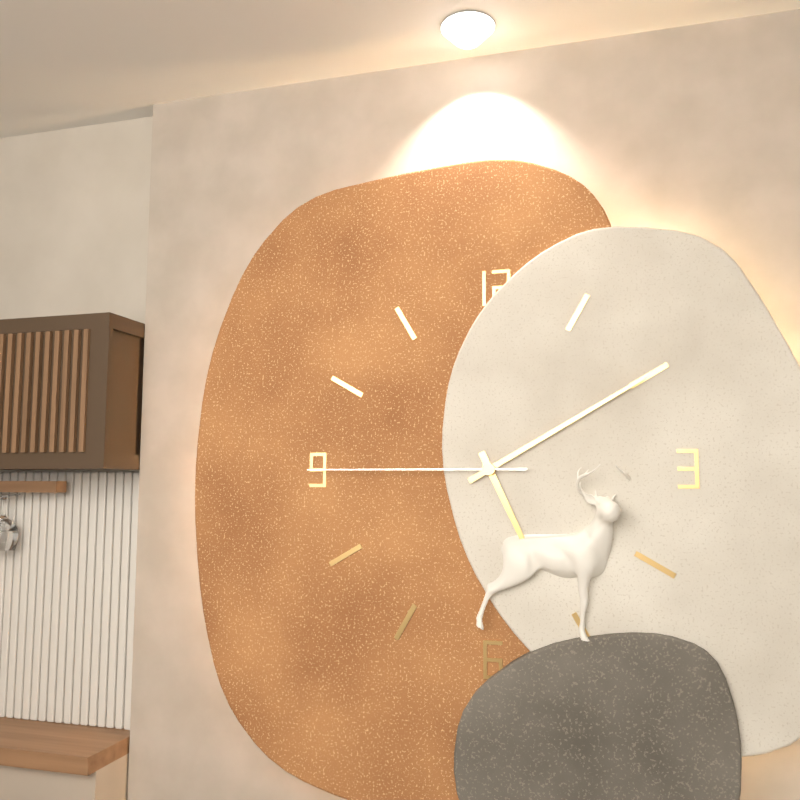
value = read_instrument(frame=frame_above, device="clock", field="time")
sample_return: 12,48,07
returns 5,10,45
